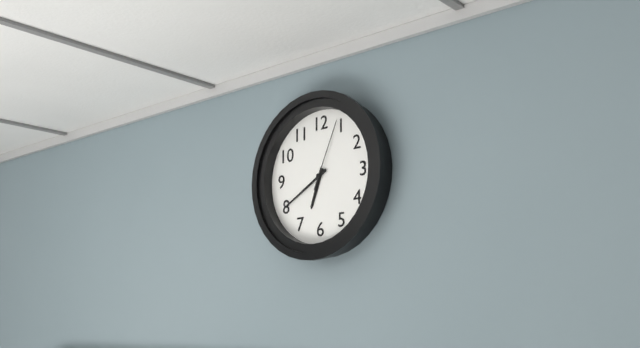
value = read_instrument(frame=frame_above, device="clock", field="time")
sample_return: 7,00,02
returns 6,40,04
